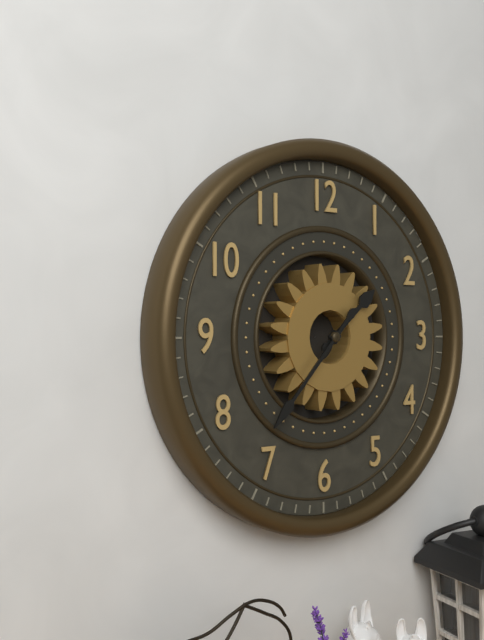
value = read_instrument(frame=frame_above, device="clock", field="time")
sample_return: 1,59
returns 1,37
